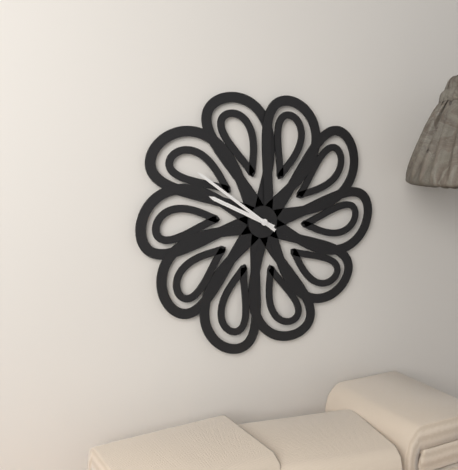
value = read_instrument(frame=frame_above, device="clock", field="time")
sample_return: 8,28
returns 9,51
